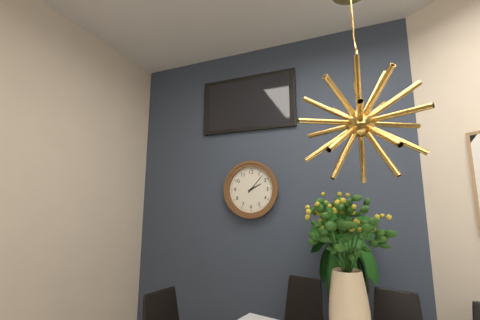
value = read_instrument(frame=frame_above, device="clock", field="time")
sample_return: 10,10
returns 2,07
